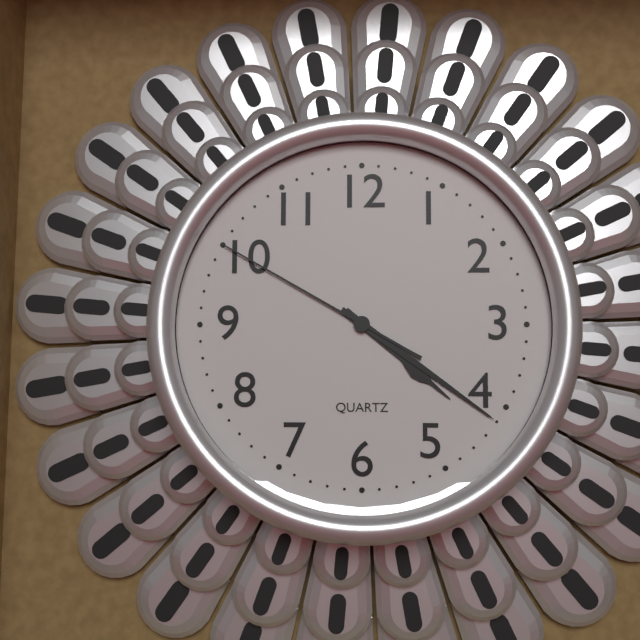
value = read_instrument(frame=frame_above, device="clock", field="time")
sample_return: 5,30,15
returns 4,21,50
